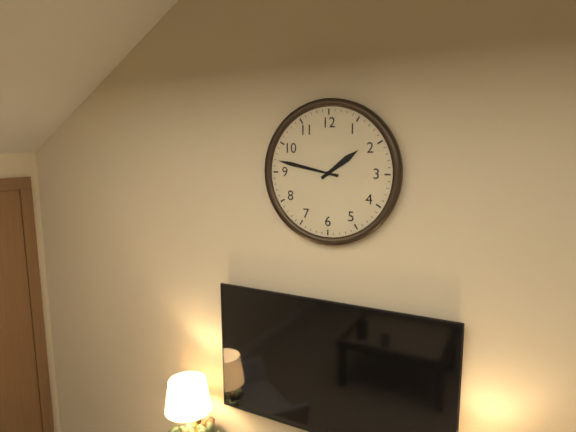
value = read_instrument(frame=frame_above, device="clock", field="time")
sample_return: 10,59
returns 1,47
